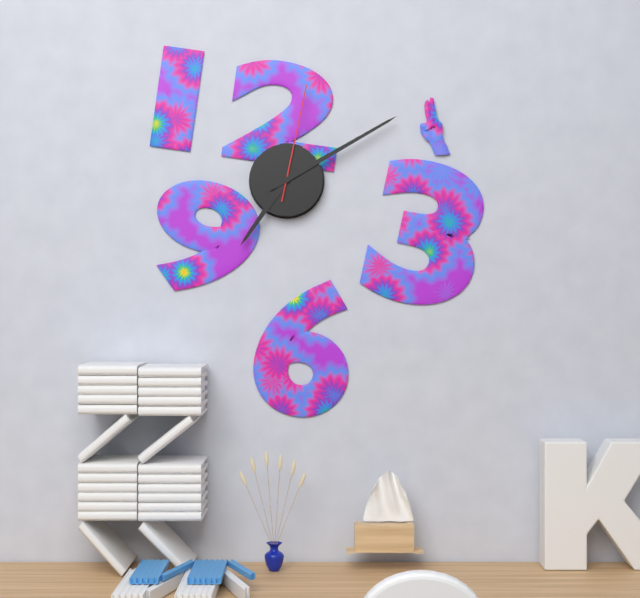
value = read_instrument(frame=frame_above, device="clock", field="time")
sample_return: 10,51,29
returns 7,10,02
